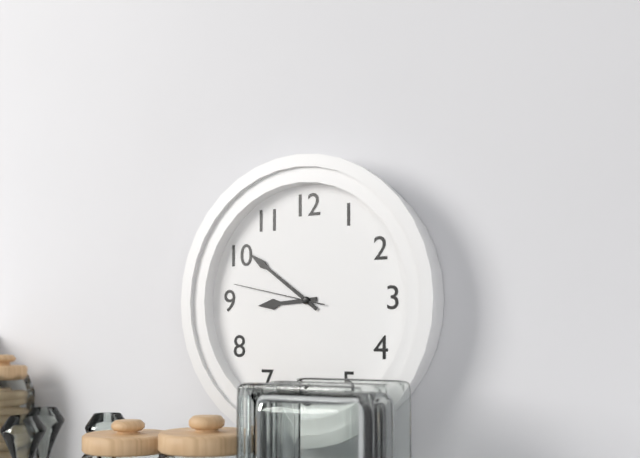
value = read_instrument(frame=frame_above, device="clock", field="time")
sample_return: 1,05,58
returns 8,51,47
